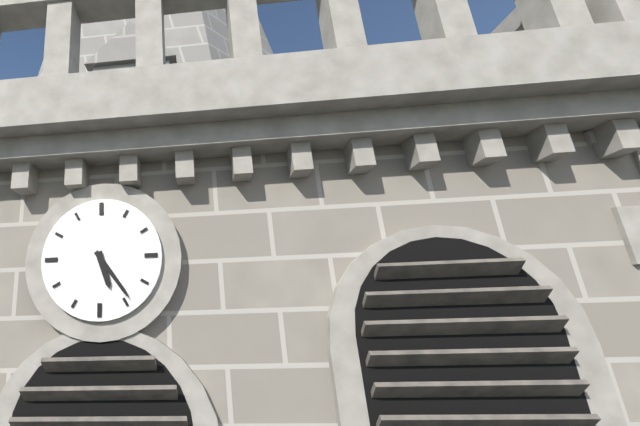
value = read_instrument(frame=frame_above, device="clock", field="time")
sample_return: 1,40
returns 5,24
